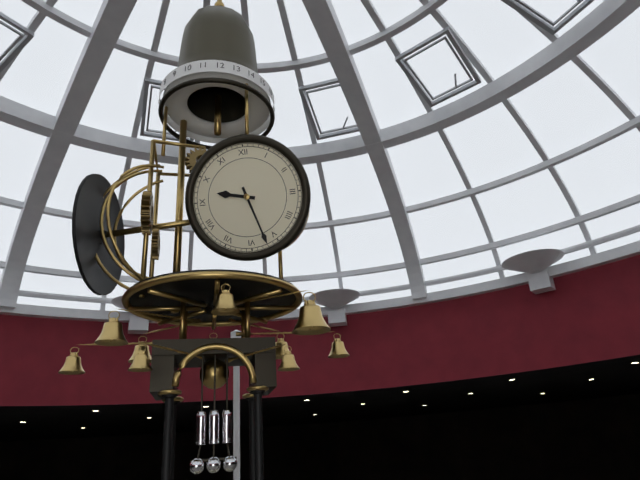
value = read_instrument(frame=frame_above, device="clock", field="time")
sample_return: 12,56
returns 9,27
